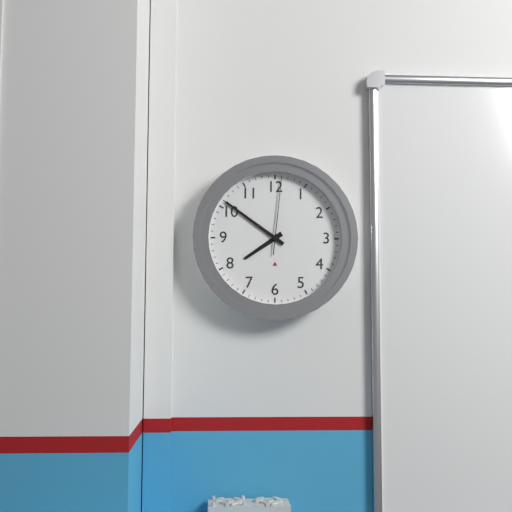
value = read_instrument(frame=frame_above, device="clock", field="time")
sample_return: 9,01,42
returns 7,51,01
